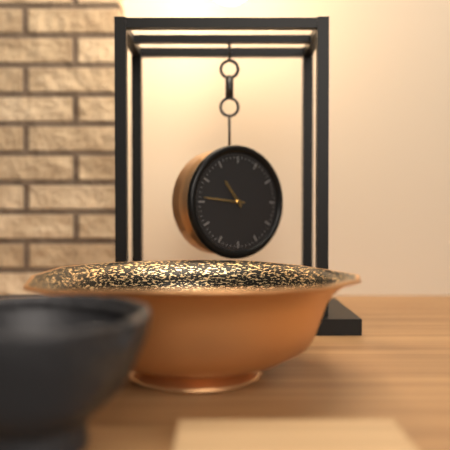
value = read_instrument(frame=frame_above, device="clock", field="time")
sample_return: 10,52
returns 10,46
